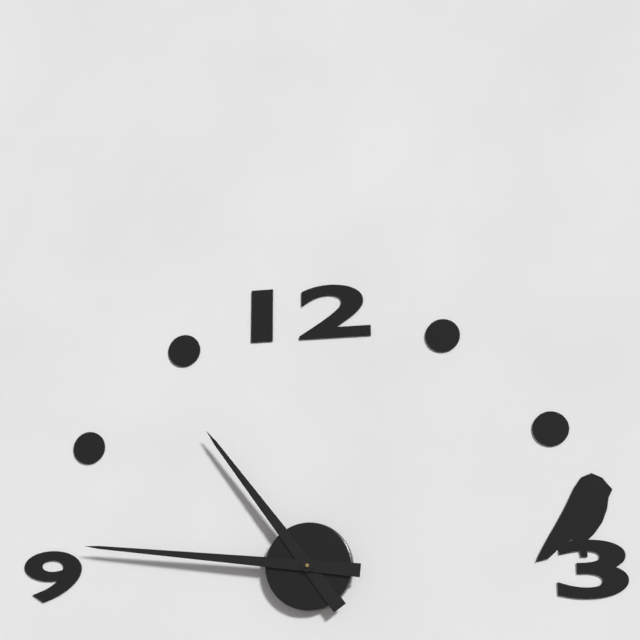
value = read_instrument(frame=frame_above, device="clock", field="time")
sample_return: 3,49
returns 10,46
